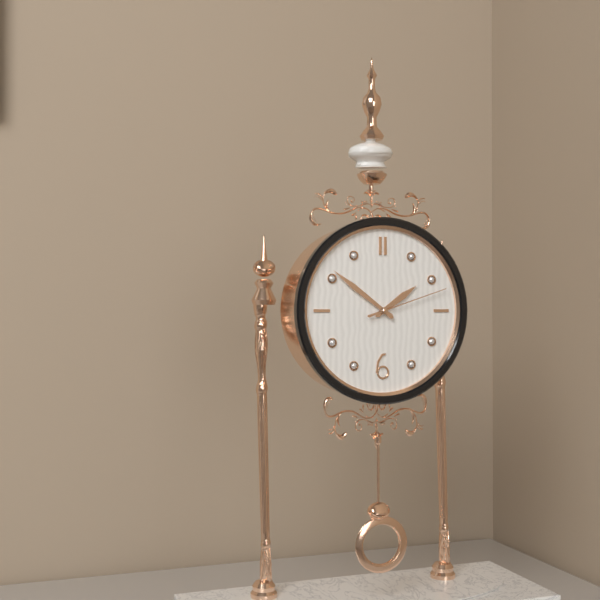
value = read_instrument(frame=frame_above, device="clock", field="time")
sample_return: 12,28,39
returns 1,51,12
